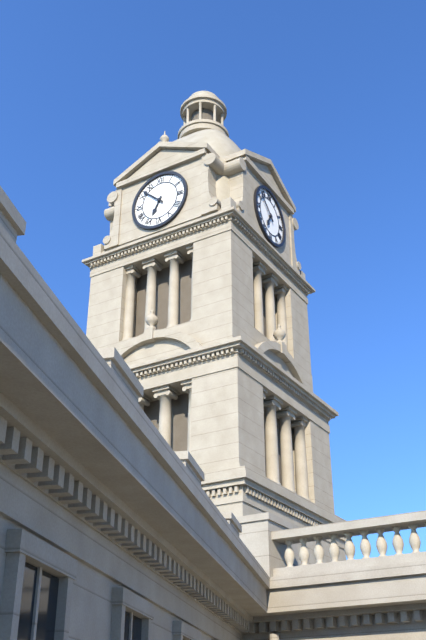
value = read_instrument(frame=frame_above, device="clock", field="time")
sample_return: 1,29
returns 6,52
